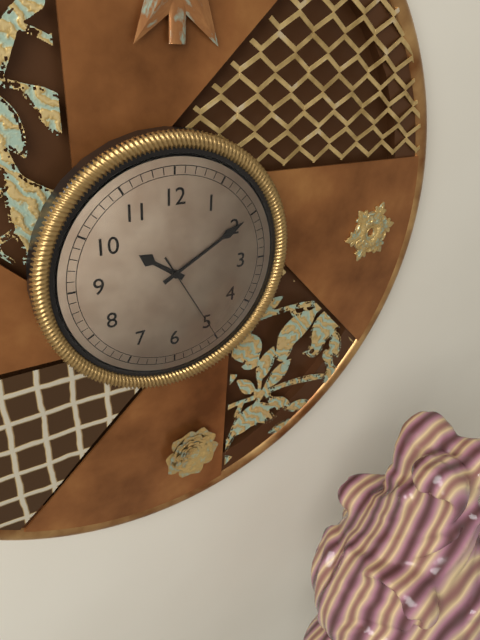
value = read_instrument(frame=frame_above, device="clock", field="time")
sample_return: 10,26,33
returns 10,10,25
